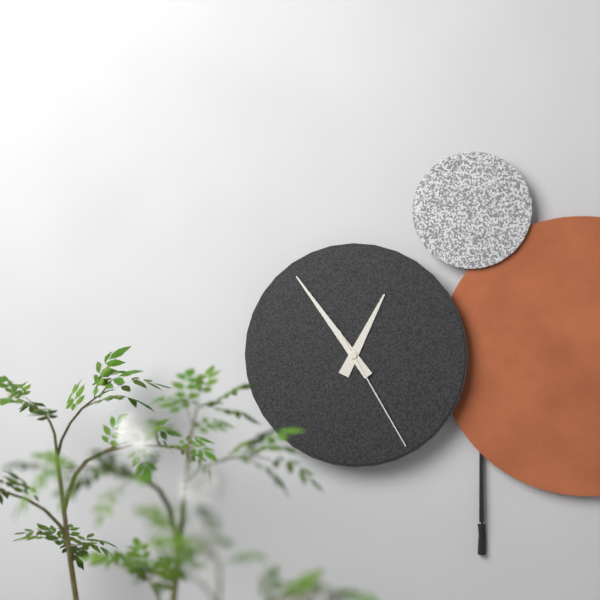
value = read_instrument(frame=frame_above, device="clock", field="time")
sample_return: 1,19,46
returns 12,54,25
